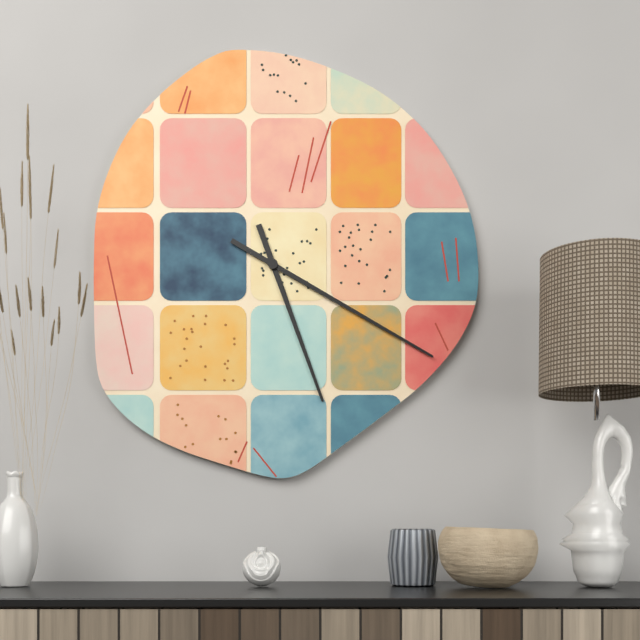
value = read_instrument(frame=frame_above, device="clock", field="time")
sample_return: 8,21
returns 5,20
